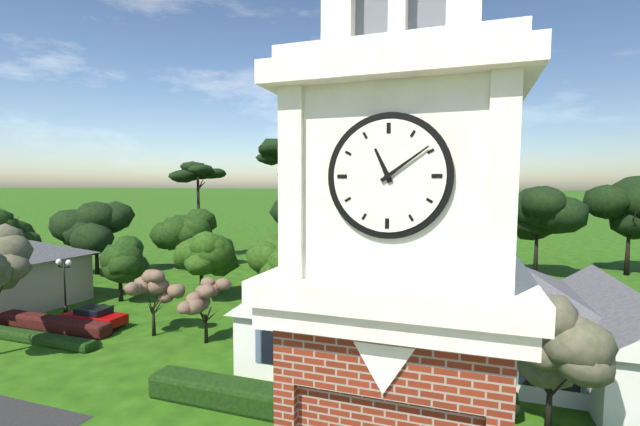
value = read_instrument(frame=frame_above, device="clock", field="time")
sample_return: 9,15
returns 11,09
